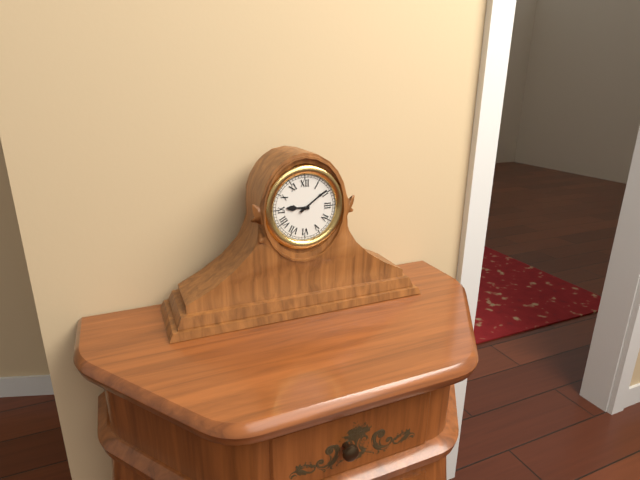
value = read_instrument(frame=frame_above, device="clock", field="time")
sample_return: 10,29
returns 9,09
